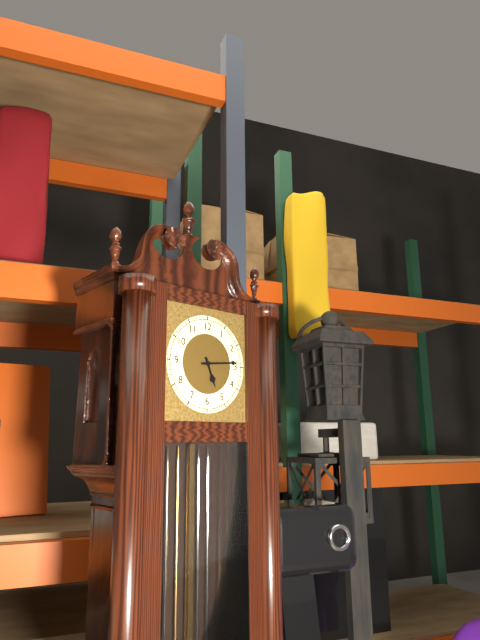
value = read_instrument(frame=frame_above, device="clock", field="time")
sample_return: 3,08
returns 5,14
